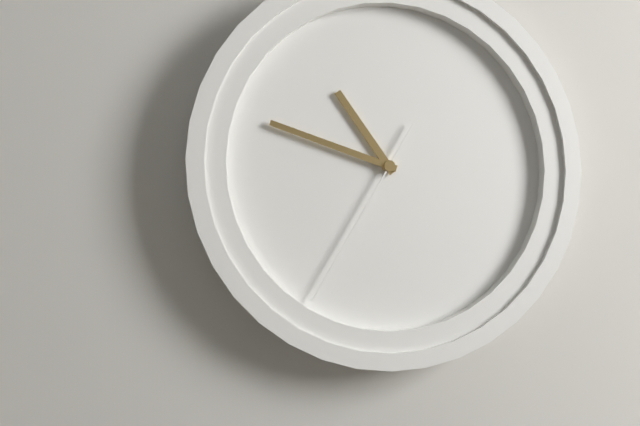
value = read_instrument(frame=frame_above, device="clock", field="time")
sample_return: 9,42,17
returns 10,48,35
